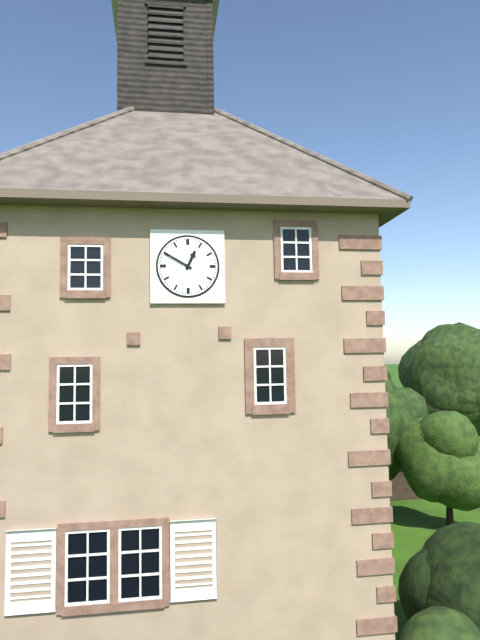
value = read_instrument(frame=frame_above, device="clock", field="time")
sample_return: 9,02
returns 12,50
